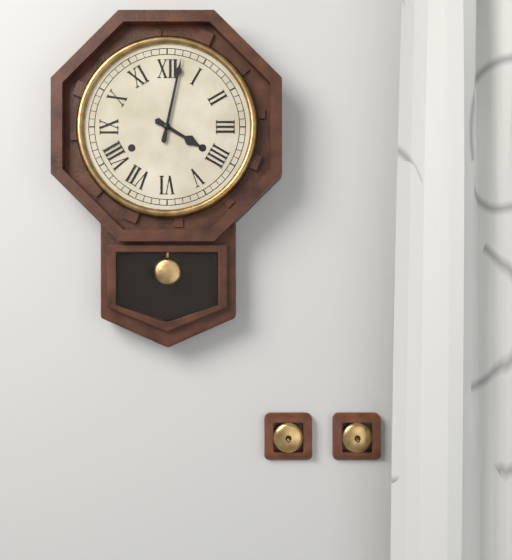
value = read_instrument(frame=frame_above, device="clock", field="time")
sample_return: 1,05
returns 4,02
